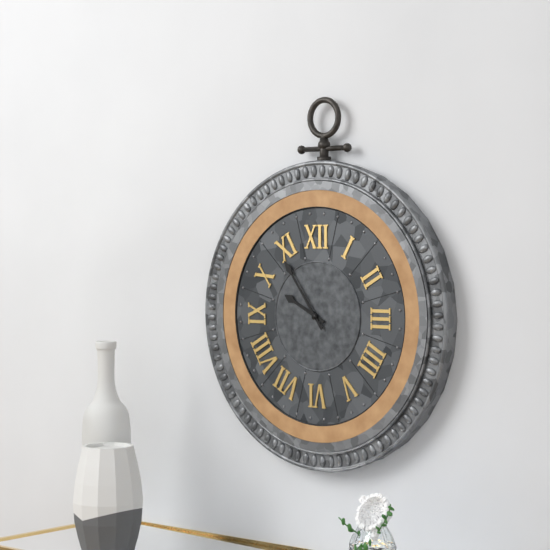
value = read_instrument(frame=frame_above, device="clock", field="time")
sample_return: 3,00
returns 9,54
